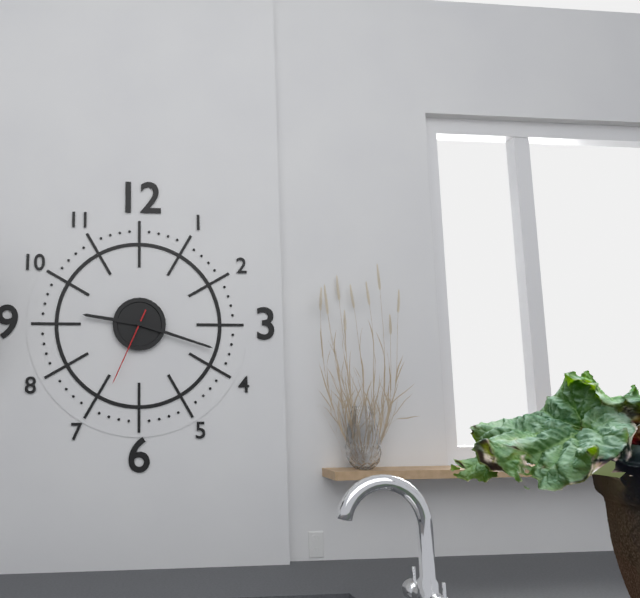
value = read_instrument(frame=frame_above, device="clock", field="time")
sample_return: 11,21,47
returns 9,18,34
